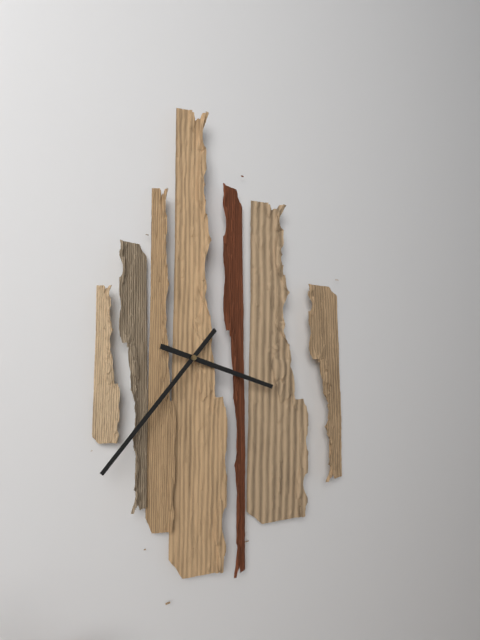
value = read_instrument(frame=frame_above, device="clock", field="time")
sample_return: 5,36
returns 3,37
